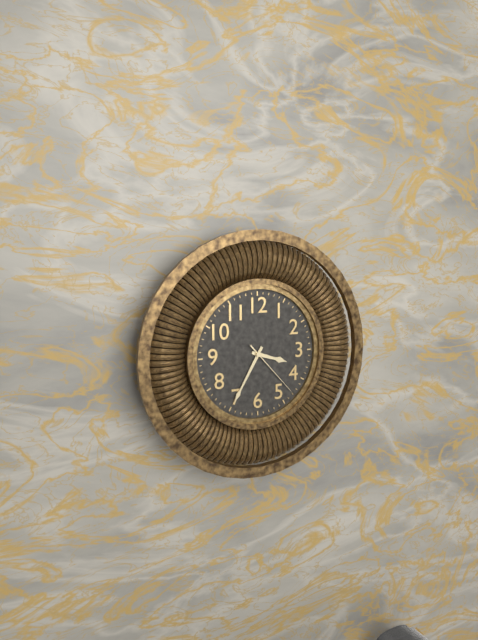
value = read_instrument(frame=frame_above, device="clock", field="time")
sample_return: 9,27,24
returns 3,35,23
